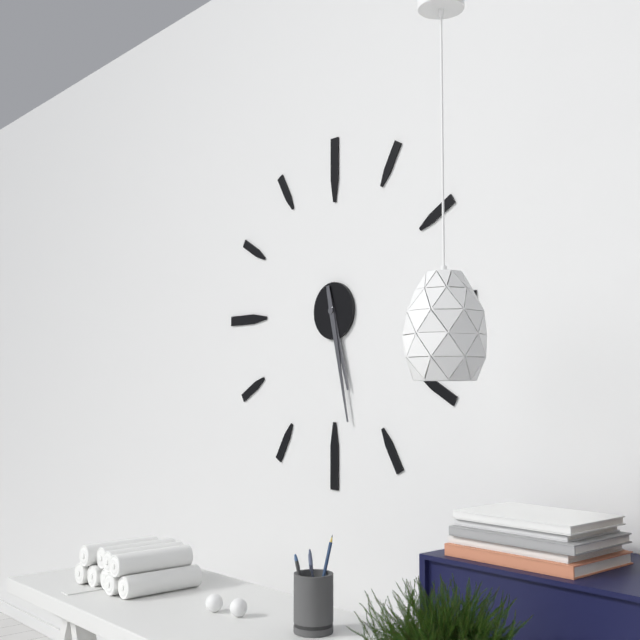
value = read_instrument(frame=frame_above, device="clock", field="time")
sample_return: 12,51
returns 5,28
